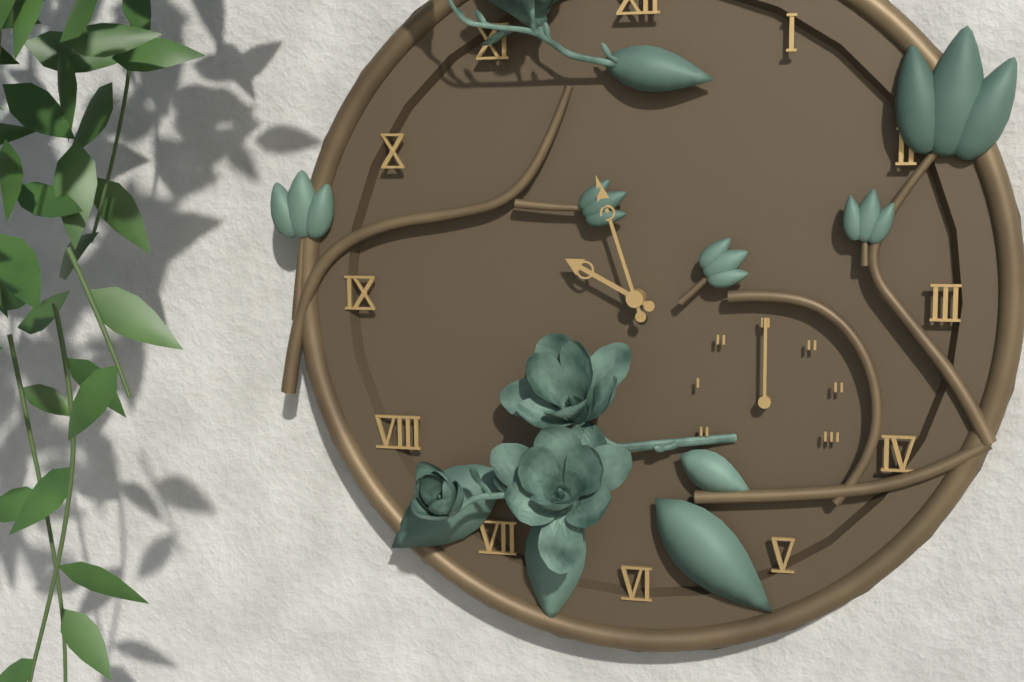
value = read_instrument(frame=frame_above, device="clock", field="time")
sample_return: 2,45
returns 9,57
